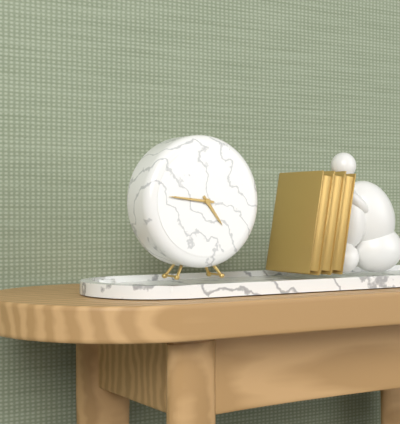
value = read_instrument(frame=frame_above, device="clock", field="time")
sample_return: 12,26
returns 4,46
